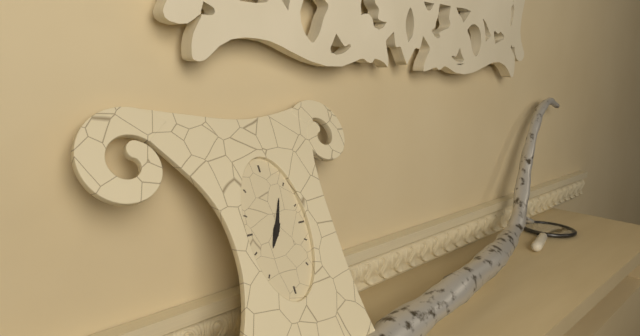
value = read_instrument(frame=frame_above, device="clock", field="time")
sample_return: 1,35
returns 7,04
